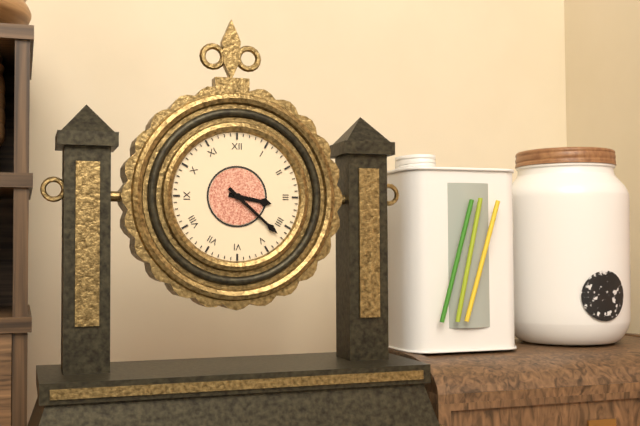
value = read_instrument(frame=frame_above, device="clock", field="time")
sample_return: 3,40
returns 3,22
